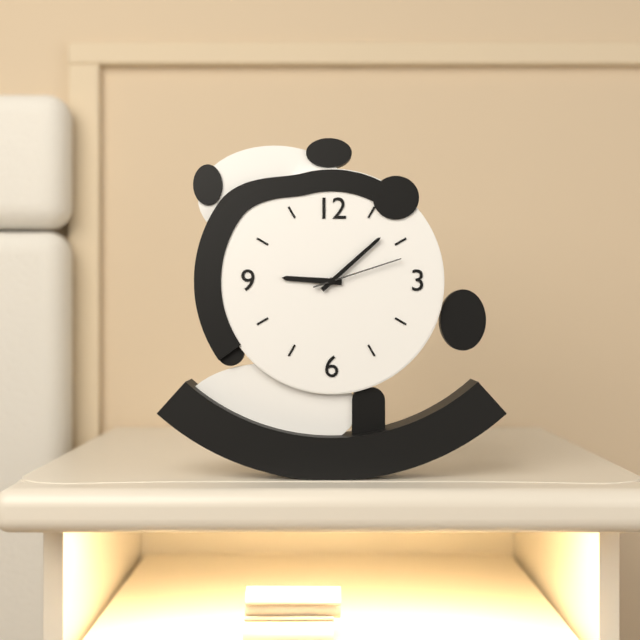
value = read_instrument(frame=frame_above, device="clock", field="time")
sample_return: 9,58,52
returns 9,08,12
